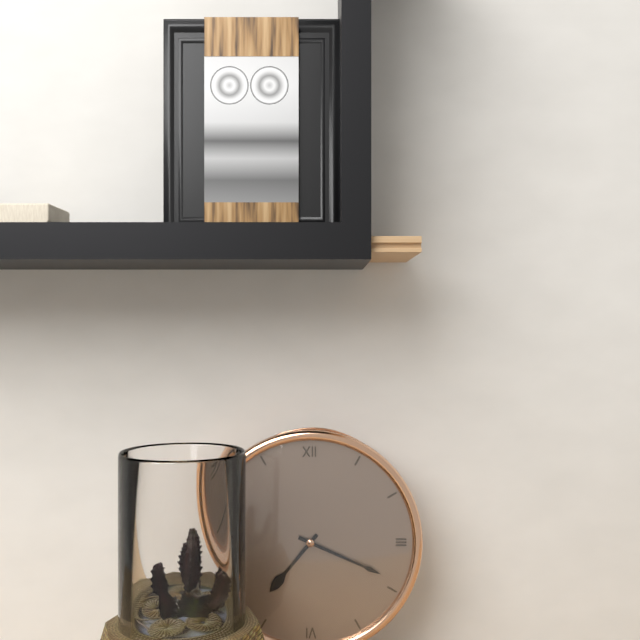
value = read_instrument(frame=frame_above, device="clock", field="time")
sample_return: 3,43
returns 7,19
